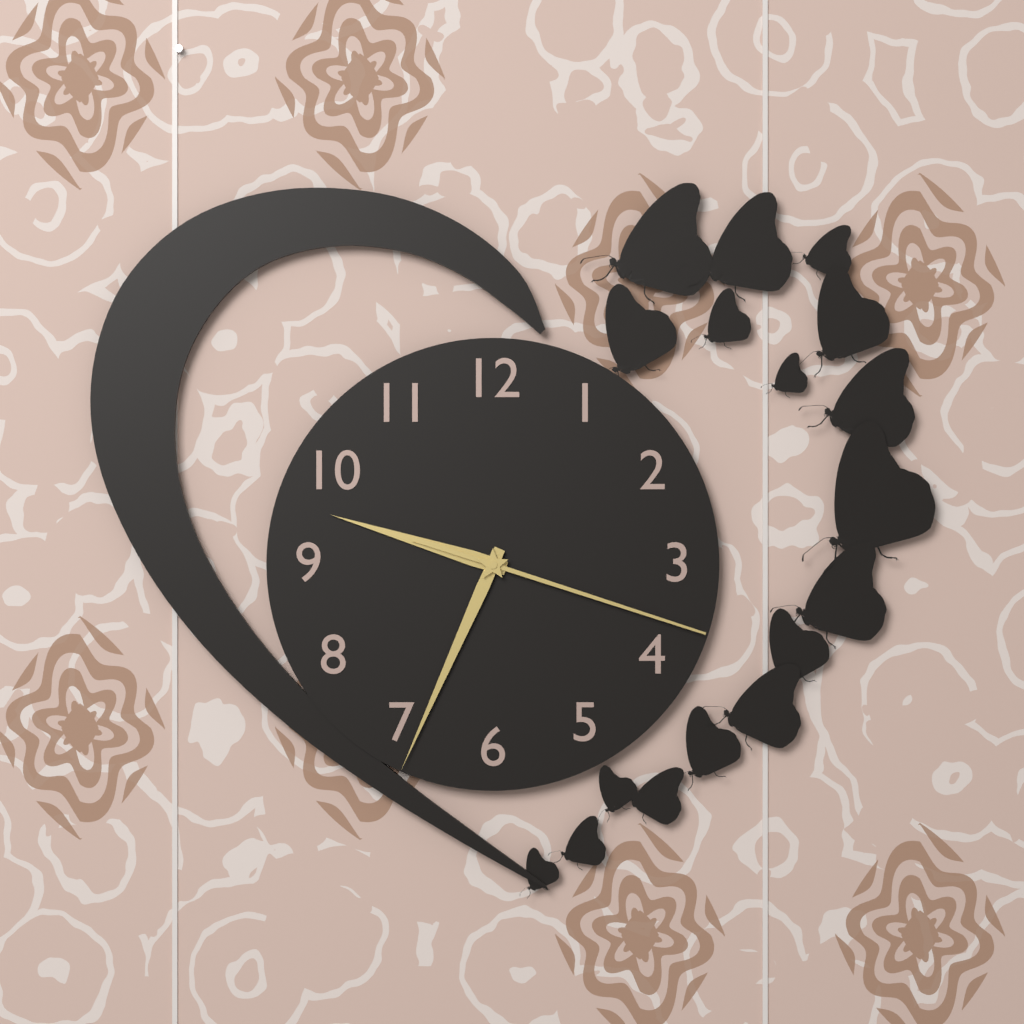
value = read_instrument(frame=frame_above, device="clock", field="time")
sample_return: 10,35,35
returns 9,34,18
